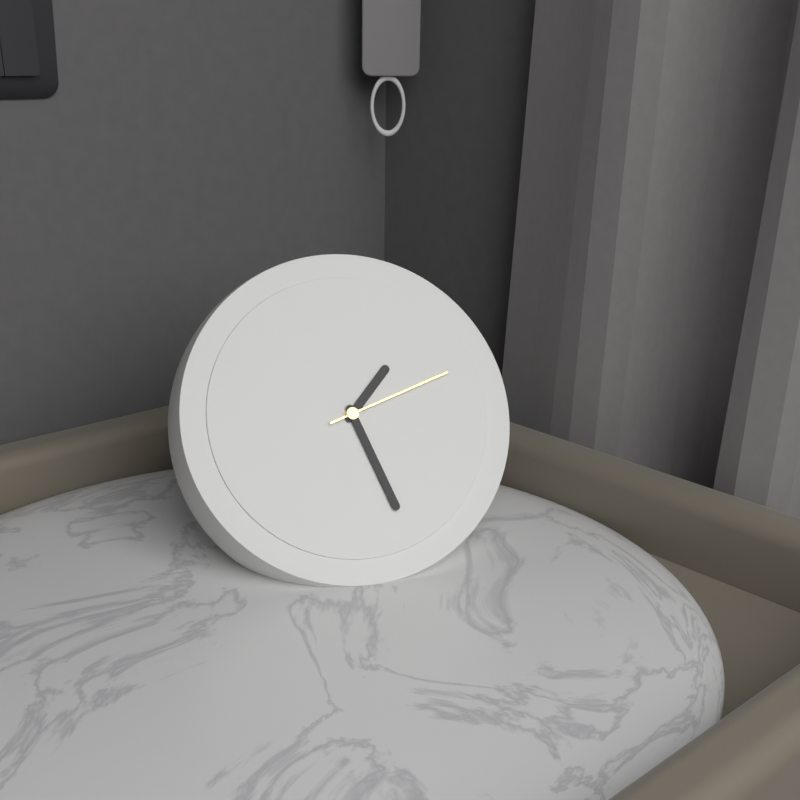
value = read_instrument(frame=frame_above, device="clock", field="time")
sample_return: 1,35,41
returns 1,27,12
